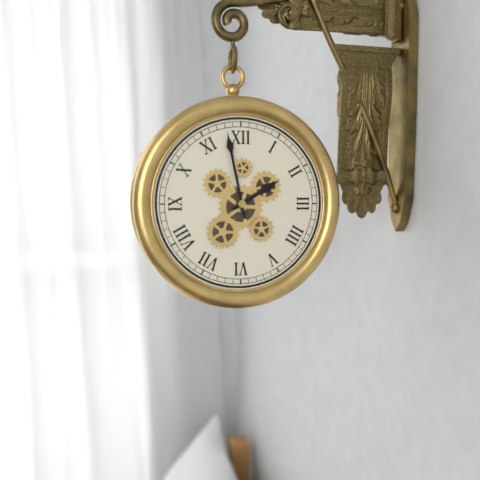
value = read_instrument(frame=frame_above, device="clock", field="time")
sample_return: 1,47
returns 1,58
